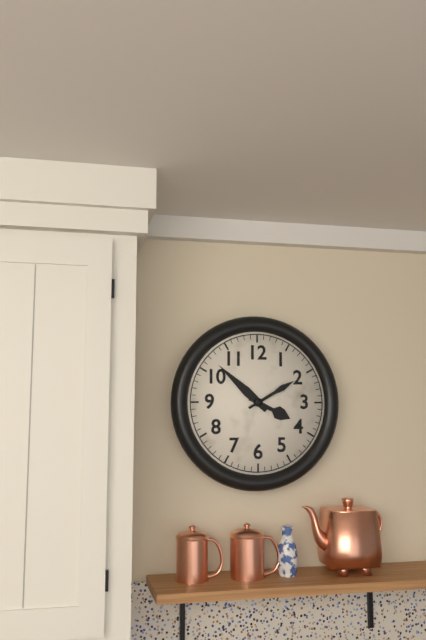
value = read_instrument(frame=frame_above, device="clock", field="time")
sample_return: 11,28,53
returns 3,52,10
